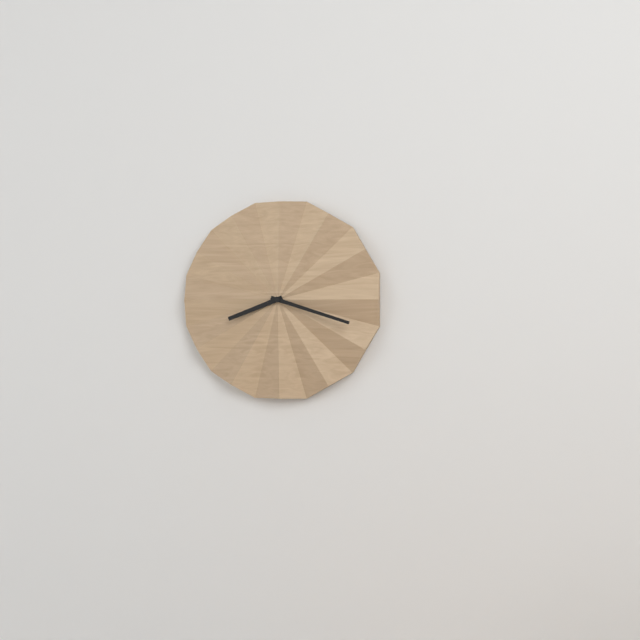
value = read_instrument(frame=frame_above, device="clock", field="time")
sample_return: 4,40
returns 8,18
